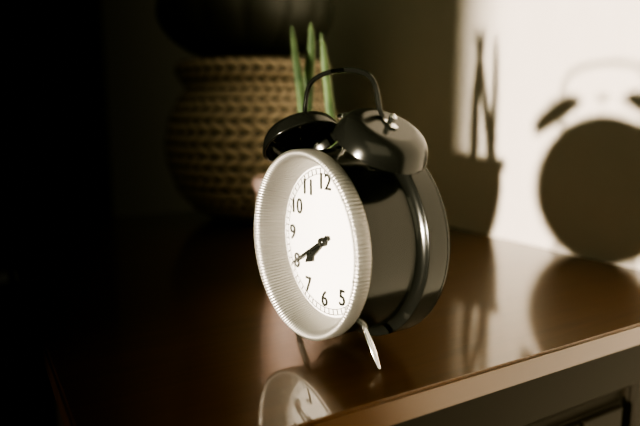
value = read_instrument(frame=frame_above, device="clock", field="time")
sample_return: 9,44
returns 7,40
